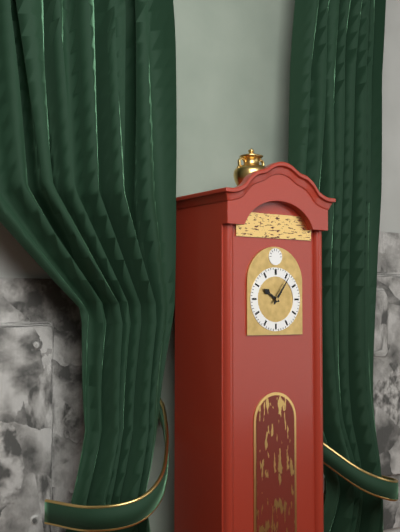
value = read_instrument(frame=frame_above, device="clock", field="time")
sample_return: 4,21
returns 10,06
